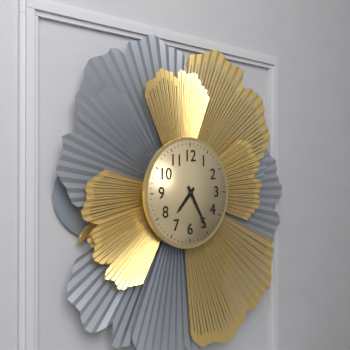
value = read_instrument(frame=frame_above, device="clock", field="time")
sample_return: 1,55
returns 7,25
